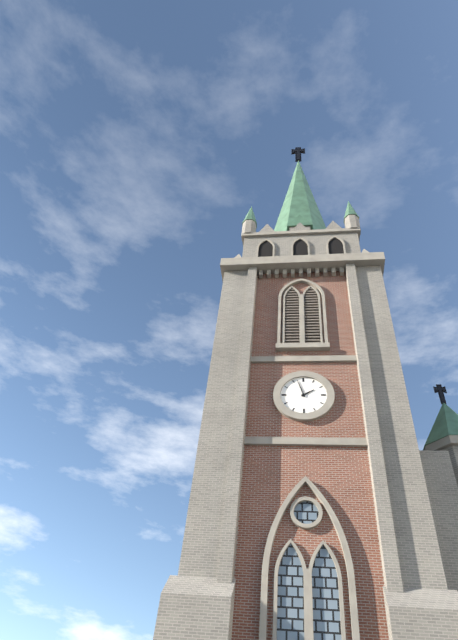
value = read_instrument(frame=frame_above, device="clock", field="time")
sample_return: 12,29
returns 1,57
